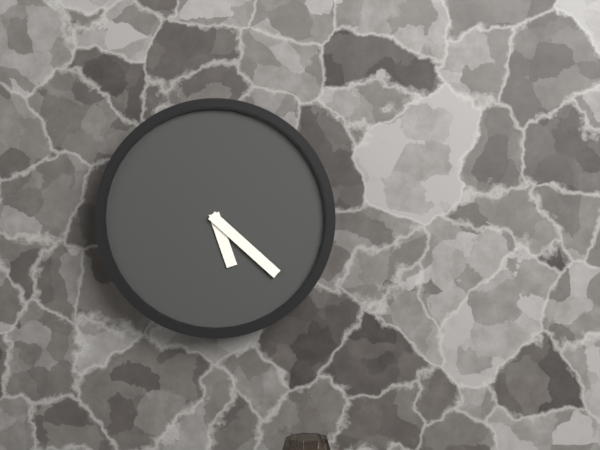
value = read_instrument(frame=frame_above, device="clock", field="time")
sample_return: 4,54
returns 5,22
